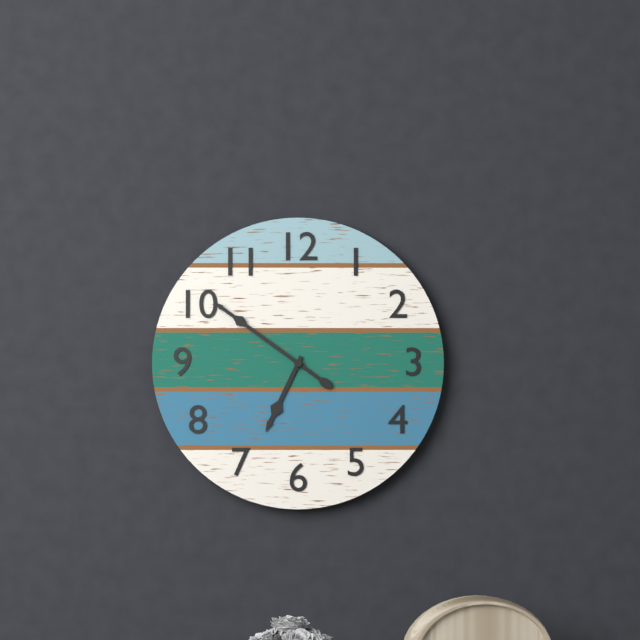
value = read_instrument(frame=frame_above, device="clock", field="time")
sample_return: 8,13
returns 6,51
